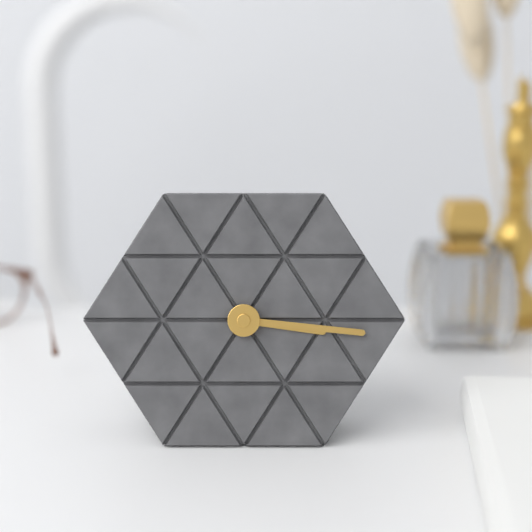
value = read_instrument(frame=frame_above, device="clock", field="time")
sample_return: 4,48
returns 3,16
